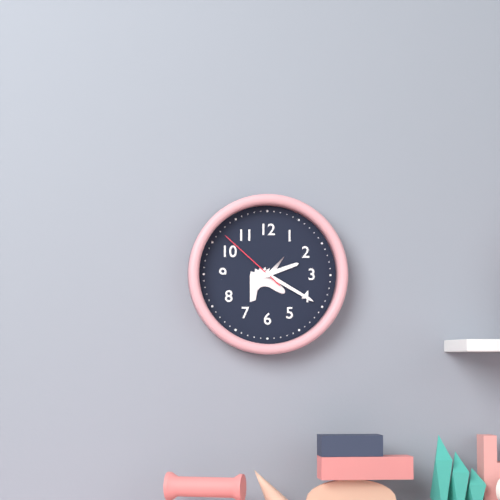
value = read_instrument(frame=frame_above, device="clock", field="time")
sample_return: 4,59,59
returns 2,20,52
